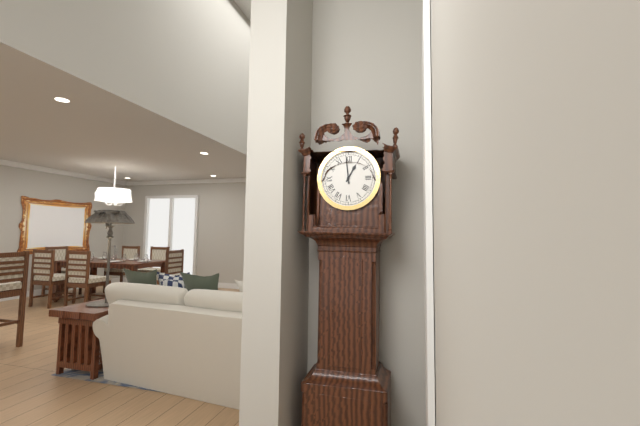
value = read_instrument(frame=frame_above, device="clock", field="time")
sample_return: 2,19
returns 12,59
